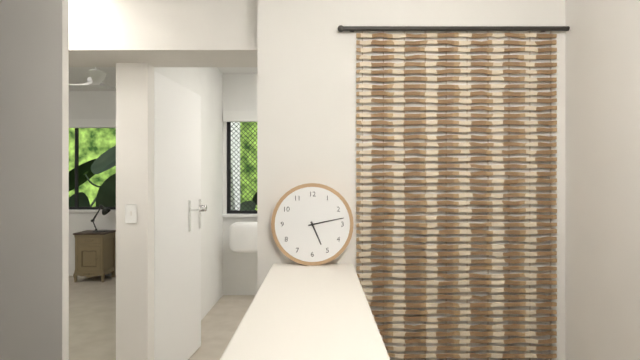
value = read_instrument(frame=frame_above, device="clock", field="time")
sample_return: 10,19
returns 5,13
